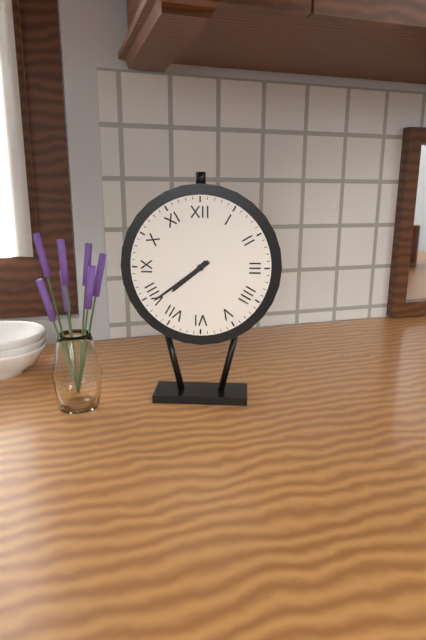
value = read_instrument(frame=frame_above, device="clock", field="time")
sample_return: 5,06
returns 7,39
